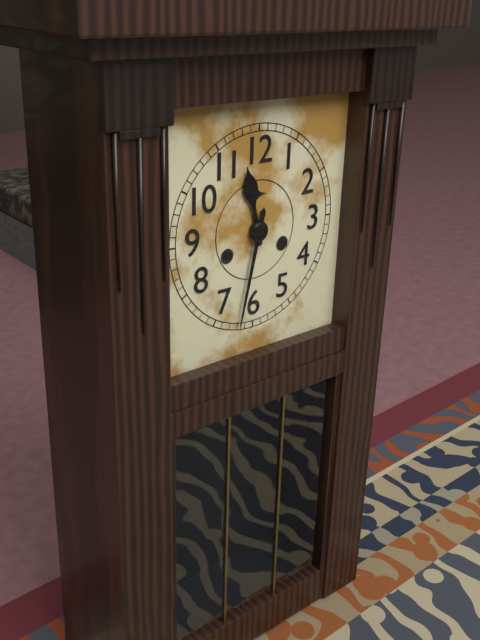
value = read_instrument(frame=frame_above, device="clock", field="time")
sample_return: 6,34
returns 11,32
